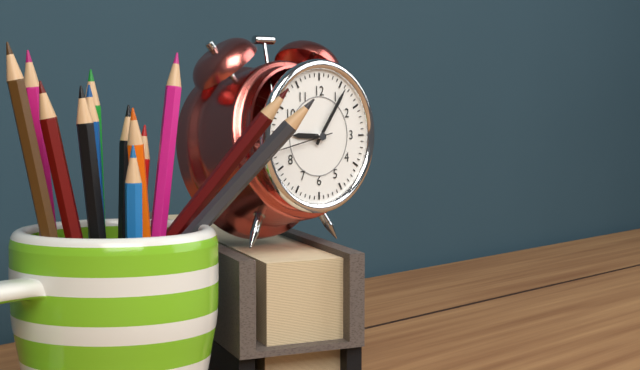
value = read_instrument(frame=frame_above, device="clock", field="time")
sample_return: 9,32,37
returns 9,06,43
